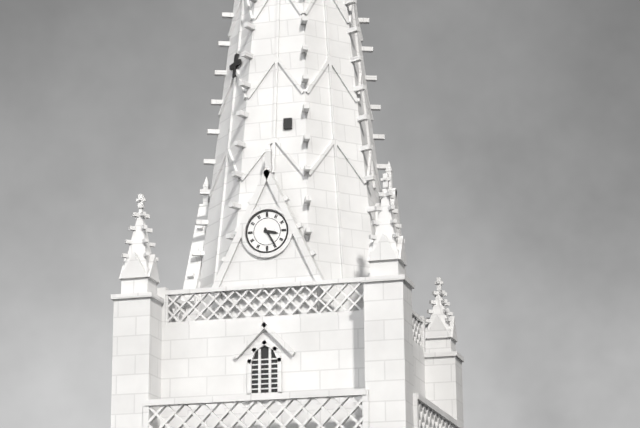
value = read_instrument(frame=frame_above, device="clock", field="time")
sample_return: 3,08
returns 3,25
